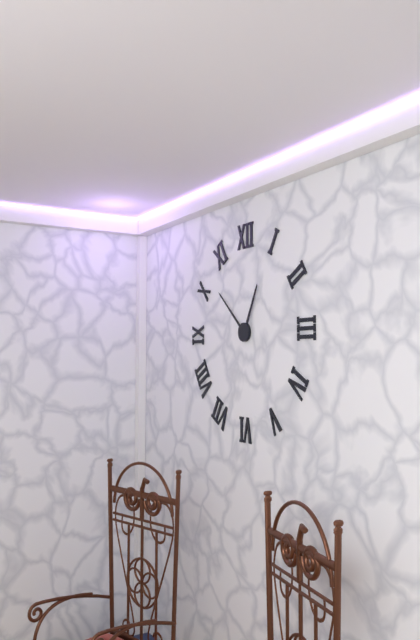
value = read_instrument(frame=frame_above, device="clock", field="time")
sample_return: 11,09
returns 12,52
